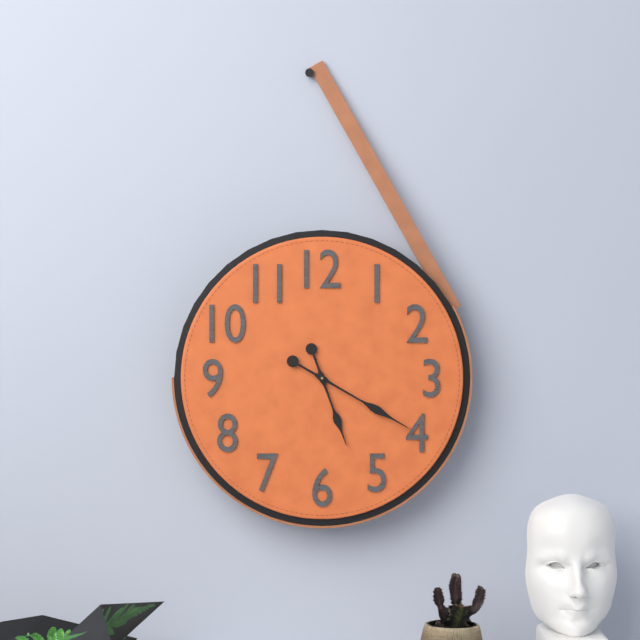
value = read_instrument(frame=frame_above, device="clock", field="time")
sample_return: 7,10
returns 5,20
